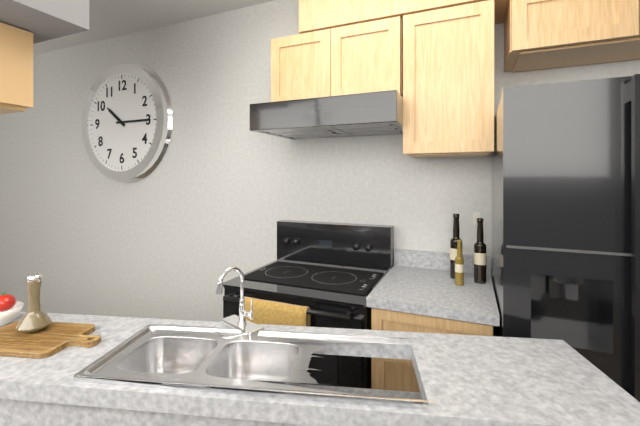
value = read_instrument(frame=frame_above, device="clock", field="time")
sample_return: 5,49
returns 10,15
